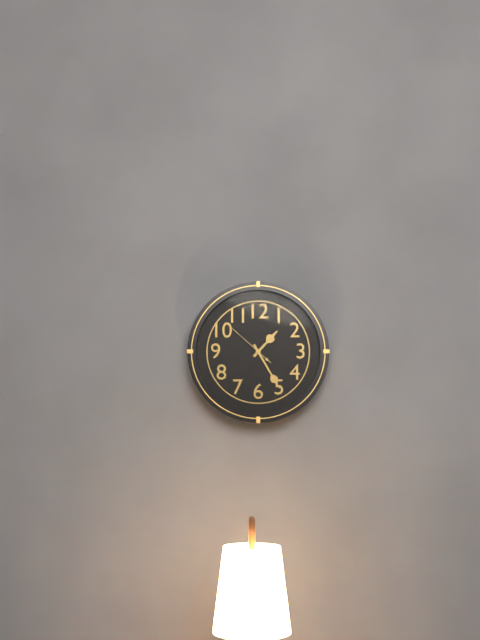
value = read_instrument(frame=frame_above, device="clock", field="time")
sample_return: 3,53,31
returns 1,25,52
